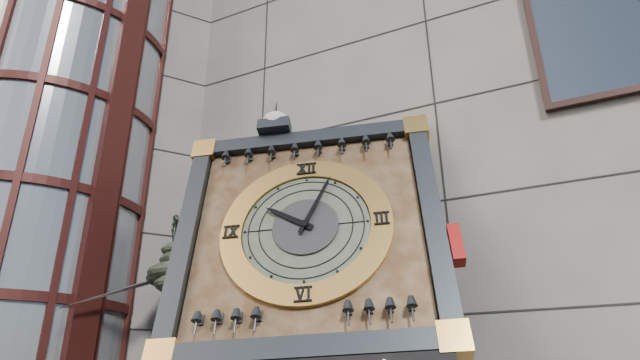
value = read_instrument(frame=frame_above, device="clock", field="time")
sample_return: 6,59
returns 10,04
